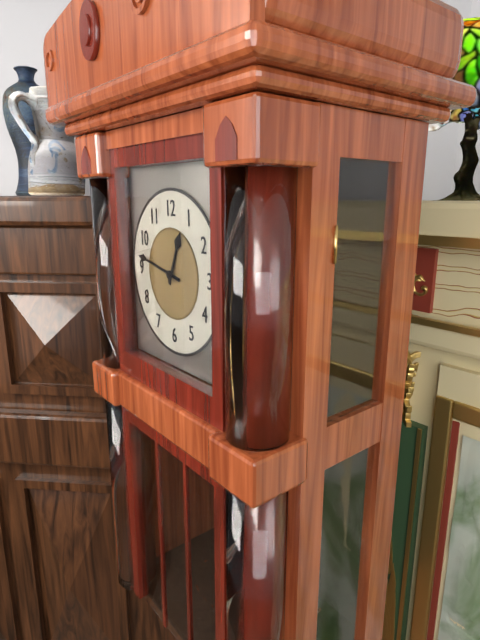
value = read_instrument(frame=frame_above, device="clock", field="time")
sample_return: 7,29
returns 12,47
